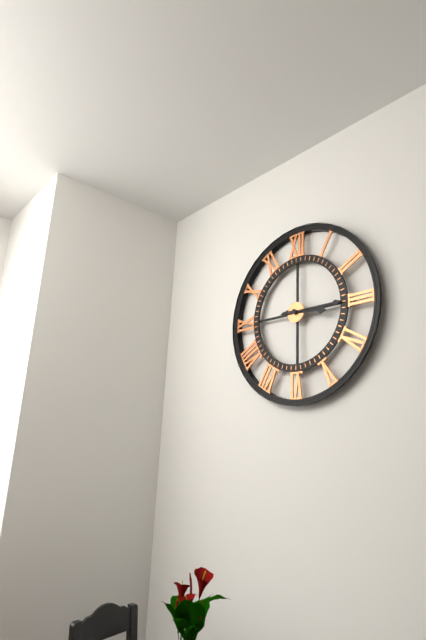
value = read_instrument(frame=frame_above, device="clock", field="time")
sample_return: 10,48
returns 3,15
